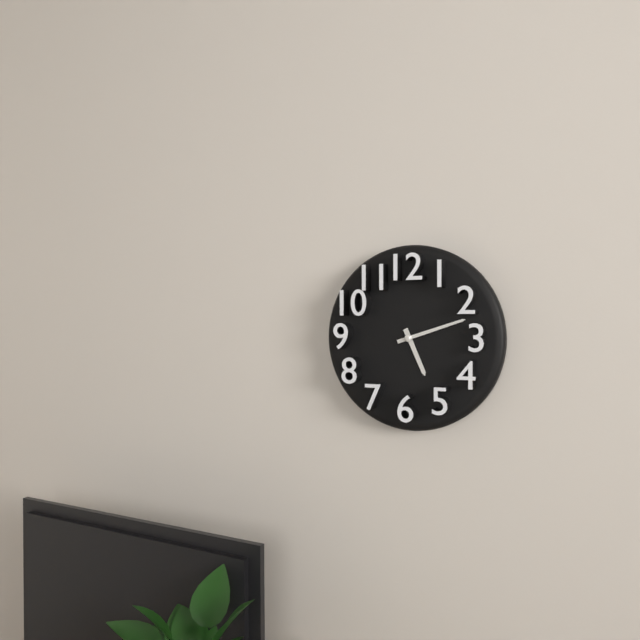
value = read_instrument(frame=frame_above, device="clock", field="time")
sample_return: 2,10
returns 5,12
